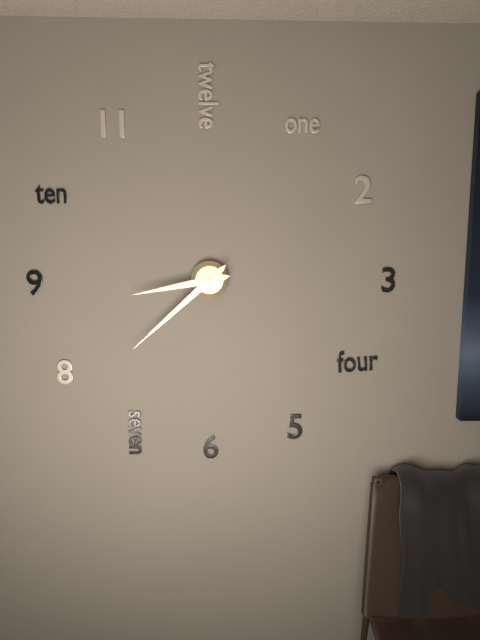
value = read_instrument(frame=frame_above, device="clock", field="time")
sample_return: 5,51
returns 8,38
